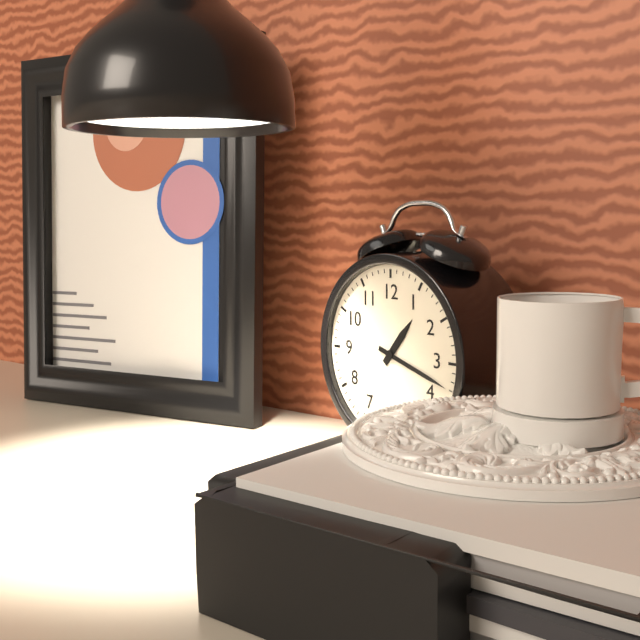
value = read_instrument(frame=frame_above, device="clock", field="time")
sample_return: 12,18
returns 1,18
